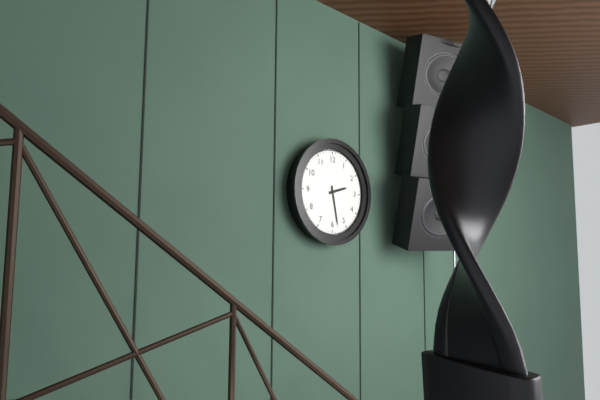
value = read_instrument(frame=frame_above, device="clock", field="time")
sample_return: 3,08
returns 2,28
